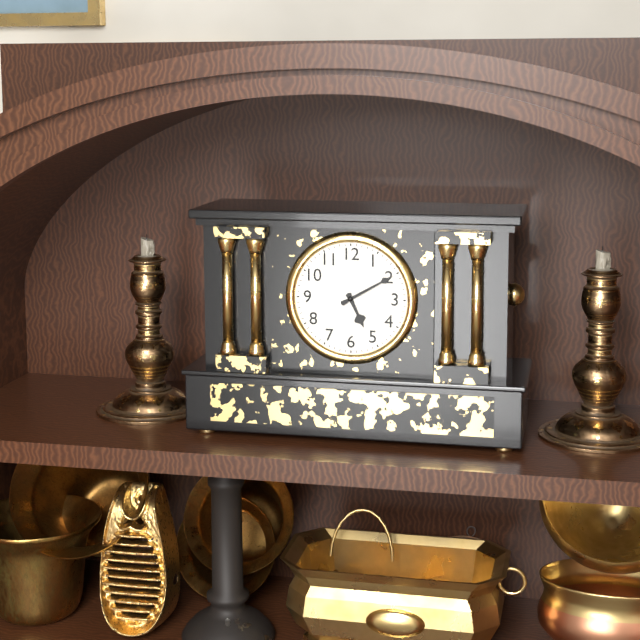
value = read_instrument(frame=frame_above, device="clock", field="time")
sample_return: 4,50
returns 5,10
